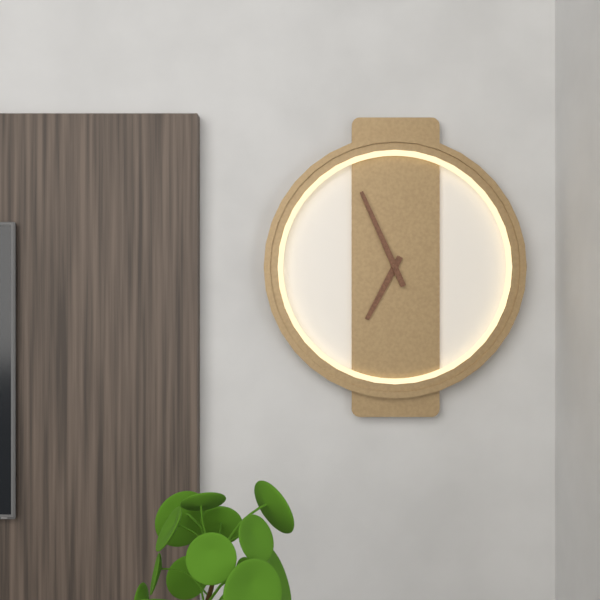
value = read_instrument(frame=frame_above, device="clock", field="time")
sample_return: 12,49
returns 6,56
